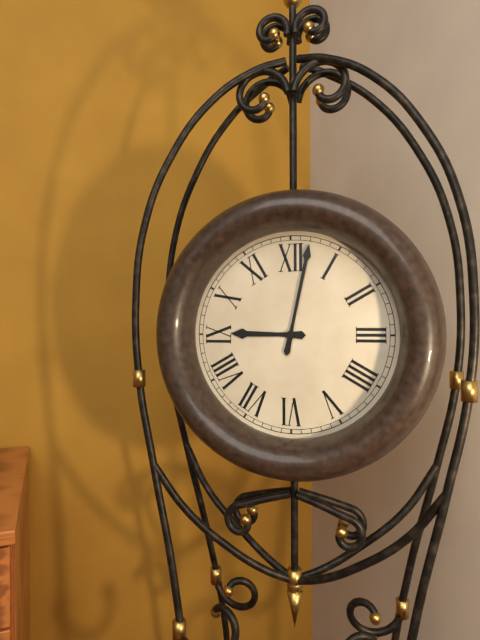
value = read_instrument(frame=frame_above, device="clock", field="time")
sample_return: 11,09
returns 9,02
